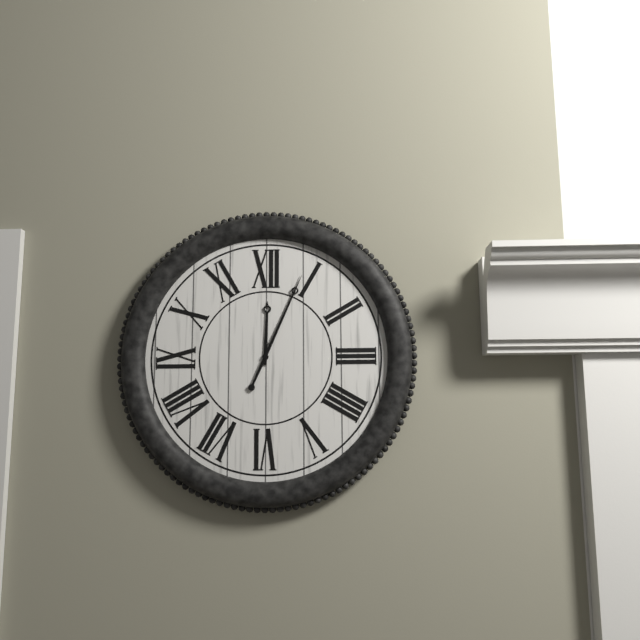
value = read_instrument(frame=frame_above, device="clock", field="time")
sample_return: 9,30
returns 12,04
